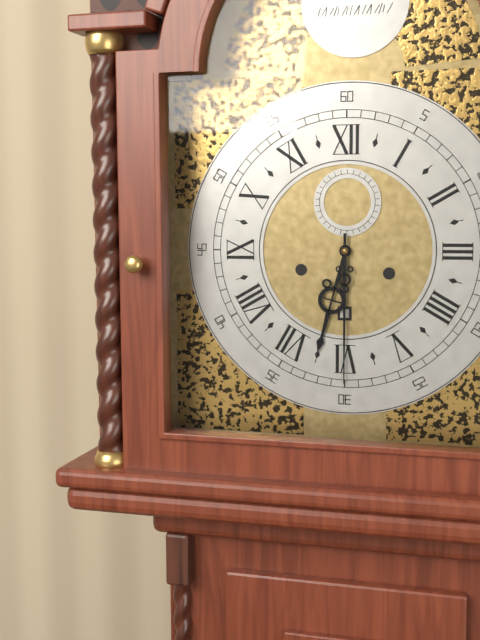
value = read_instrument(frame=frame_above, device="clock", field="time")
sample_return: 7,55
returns 6,30
